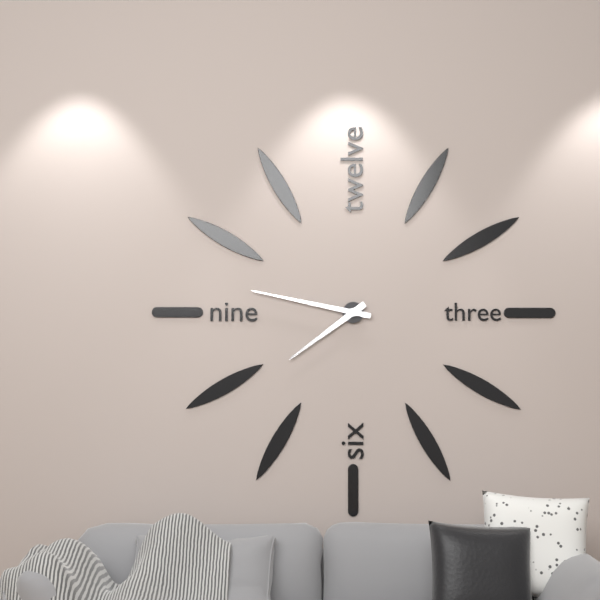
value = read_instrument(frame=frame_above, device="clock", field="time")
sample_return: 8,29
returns 7,47
